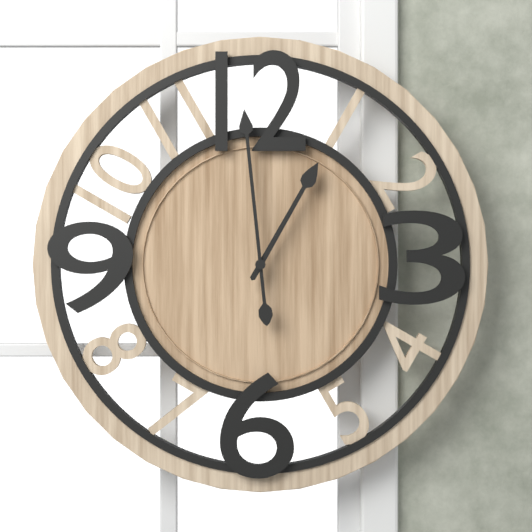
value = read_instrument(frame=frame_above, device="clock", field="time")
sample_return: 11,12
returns 12,59
